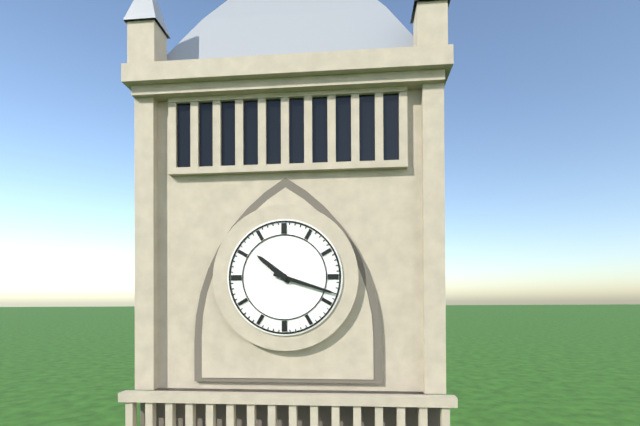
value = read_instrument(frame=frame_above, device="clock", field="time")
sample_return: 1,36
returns 10,18
